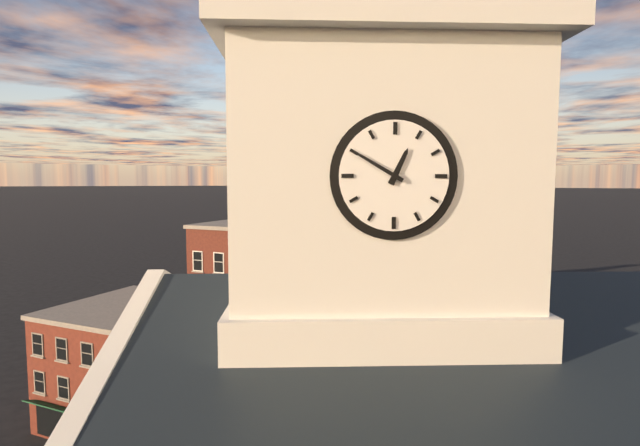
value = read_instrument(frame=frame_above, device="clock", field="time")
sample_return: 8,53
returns 12,50
